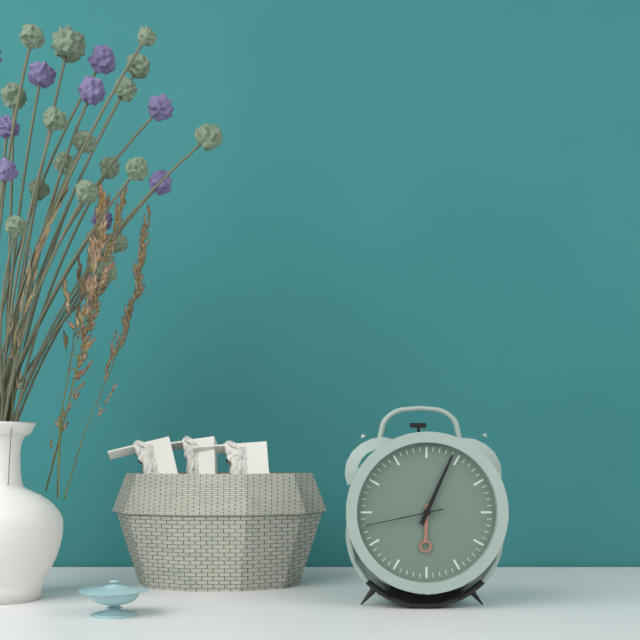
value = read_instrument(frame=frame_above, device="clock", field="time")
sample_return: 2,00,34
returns 6,04,43
